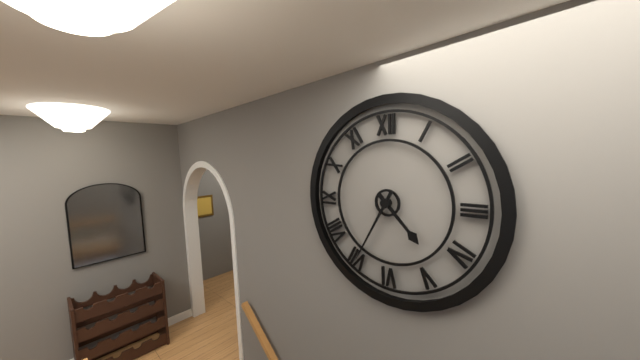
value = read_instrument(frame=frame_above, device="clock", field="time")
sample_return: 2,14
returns 4,35
